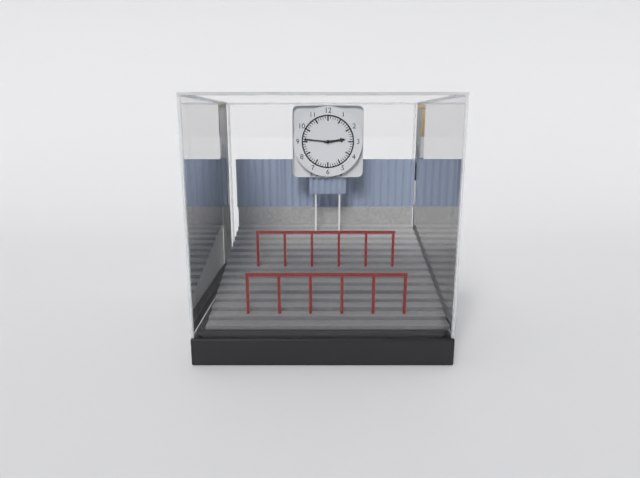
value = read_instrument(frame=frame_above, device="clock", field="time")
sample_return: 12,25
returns 2,46
